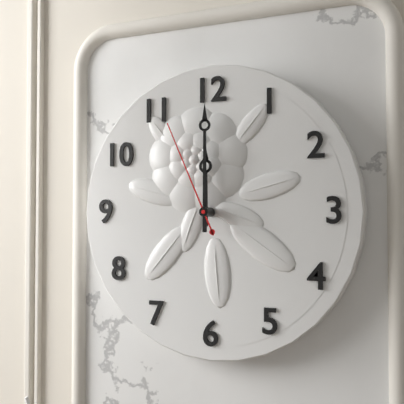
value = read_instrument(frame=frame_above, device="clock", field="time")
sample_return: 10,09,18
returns 12,00,56
